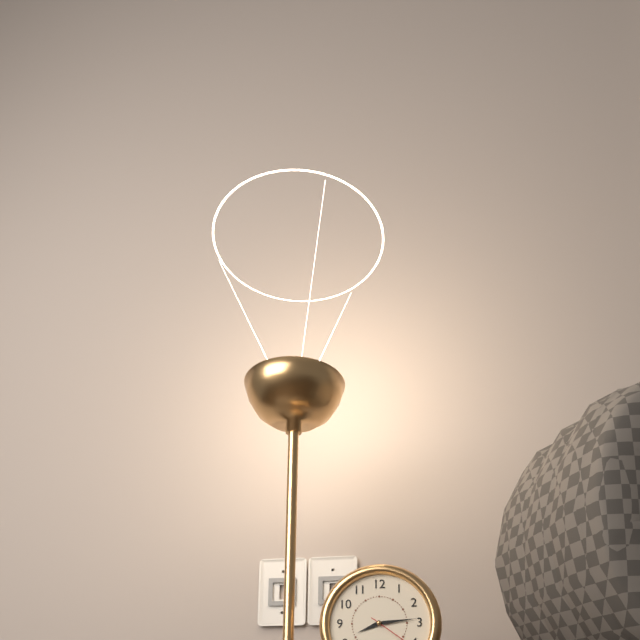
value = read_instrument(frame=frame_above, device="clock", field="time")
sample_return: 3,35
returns 8,14
